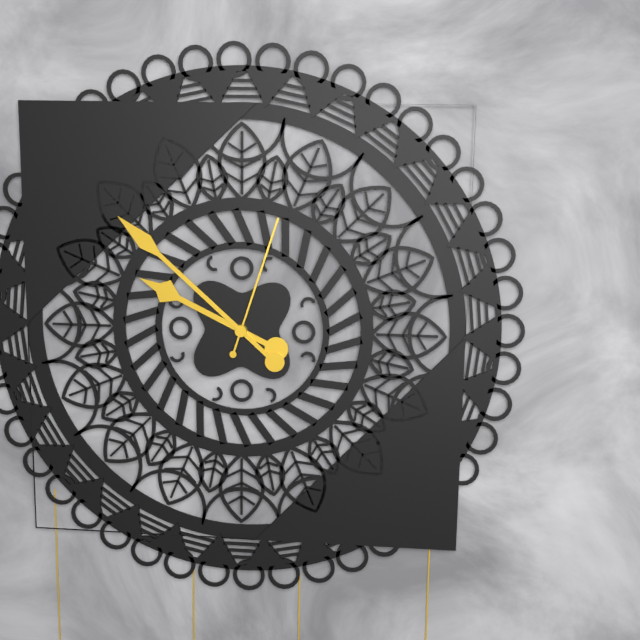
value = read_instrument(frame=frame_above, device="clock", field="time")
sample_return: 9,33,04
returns 9,52,03
